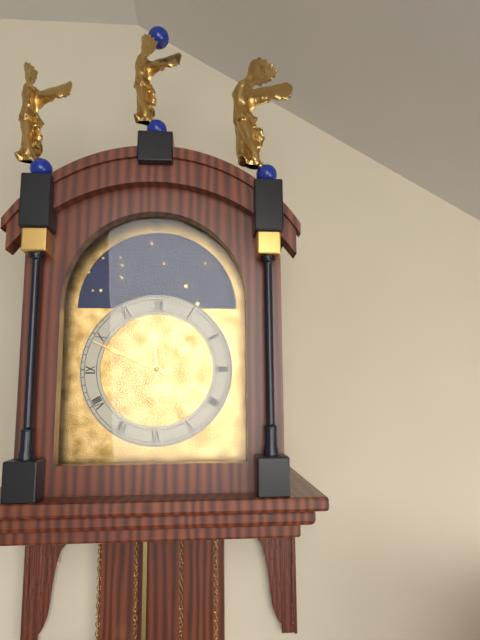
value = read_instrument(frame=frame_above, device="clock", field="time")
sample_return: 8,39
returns 11,49
